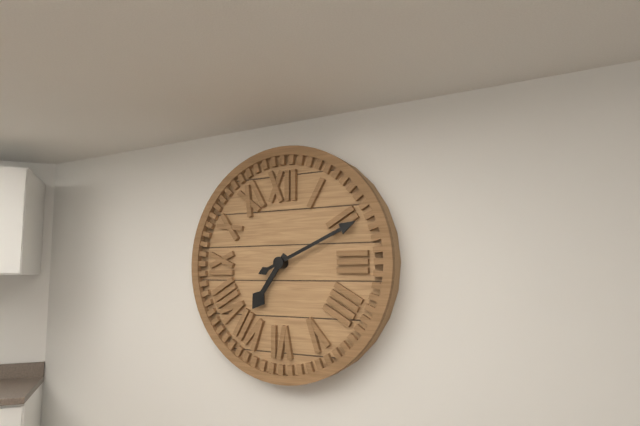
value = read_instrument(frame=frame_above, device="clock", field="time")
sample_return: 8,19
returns 7,11
